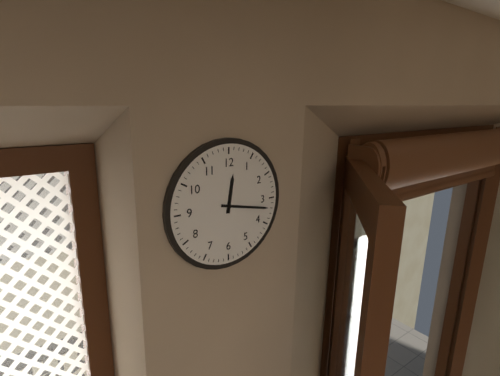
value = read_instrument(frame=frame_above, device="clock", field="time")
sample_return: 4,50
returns 12,17
